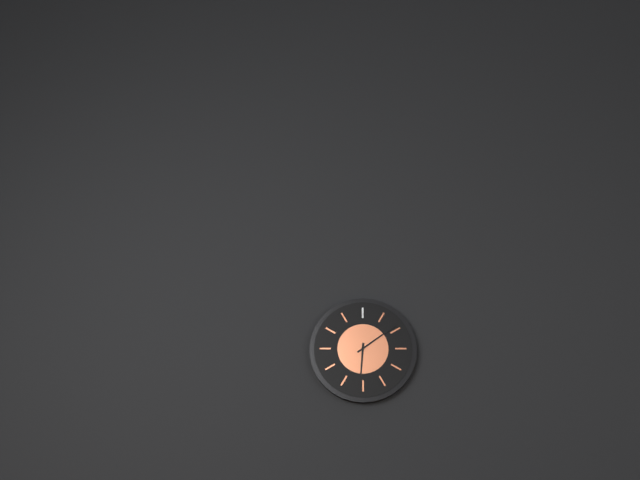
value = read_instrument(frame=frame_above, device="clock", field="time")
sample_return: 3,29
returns 6,09
